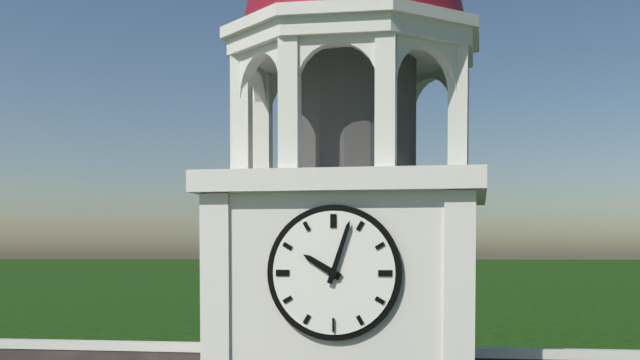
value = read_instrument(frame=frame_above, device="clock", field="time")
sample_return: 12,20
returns 10,03
